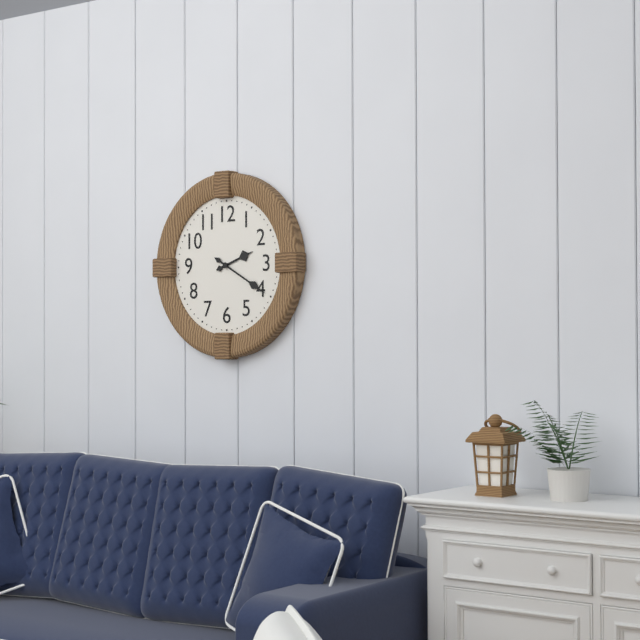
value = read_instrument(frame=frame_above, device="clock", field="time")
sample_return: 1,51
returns 2,20
